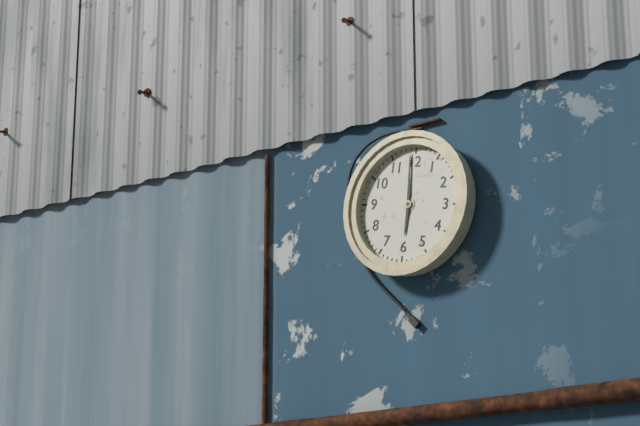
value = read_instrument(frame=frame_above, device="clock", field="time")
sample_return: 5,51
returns 5,59
